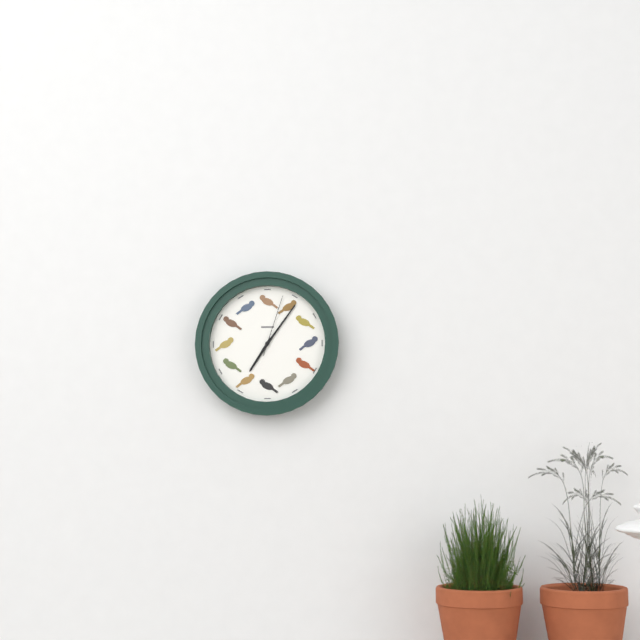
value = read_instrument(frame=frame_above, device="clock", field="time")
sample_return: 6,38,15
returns 7,06,03
